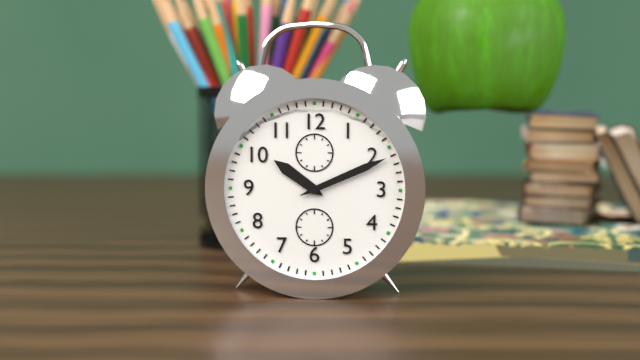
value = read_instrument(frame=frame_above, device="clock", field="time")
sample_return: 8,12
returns 10,11
